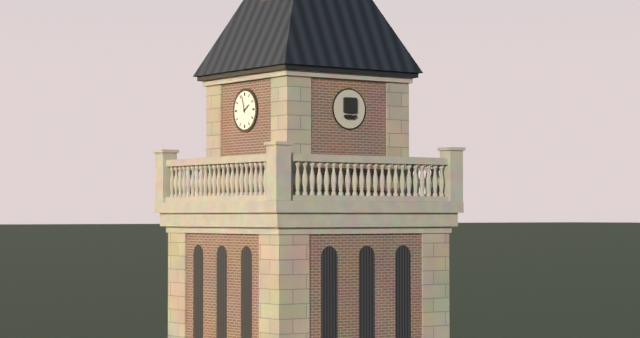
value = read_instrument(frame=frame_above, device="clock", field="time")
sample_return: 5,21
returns 1,57
